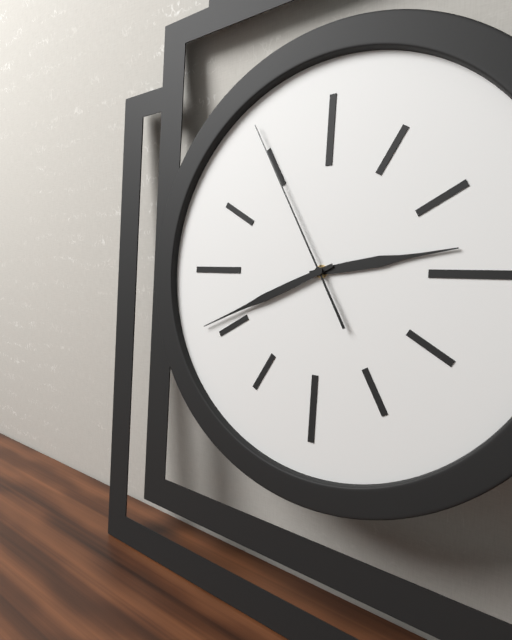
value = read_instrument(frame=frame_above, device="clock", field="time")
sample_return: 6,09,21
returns 2,41,55
